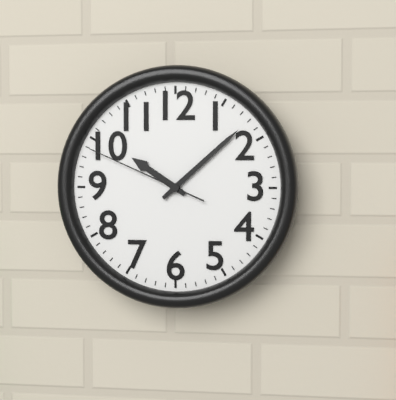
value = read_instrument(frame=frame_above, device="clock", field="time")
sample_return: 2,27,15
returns 10,08,49
